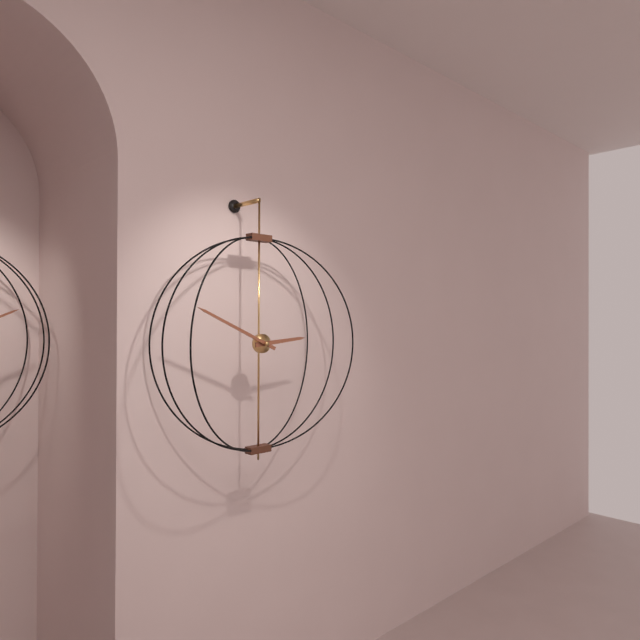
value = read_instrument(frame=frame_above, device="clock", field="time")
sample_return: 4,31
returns 2,49
